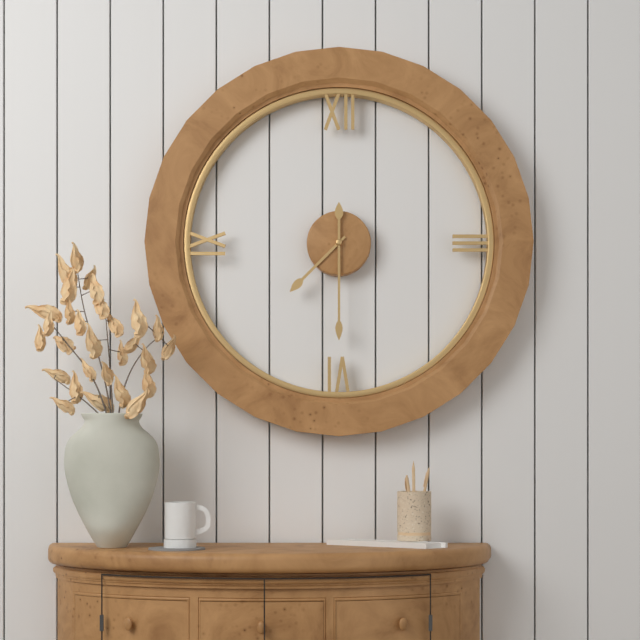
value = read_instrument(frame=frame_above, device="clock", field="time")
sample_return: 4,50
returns 7,30
